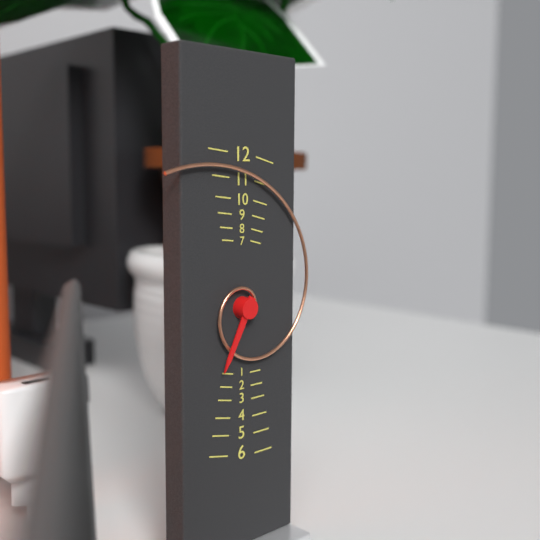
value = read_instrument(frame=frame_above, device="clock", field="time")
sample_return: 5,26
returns 6,54
